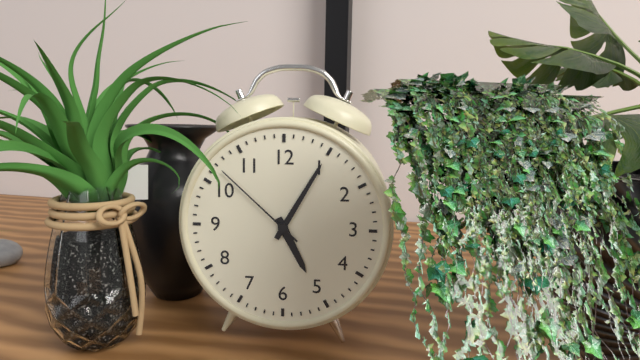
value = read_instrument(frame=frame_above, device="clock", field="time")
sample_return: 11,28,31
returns 5,05,52
